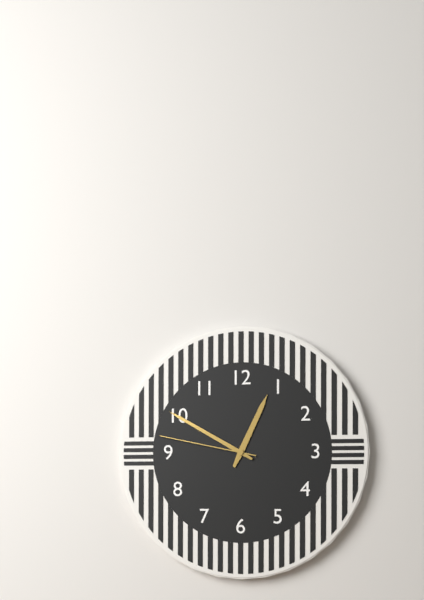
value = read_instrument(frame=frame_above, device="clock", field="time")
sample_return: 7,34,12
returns 12,50,47
